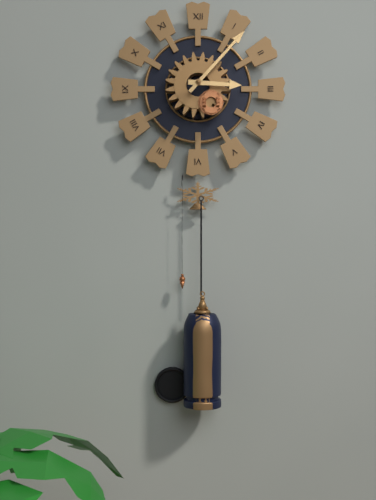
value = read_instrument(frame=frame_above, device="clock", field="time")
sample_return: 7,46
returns 3,07
